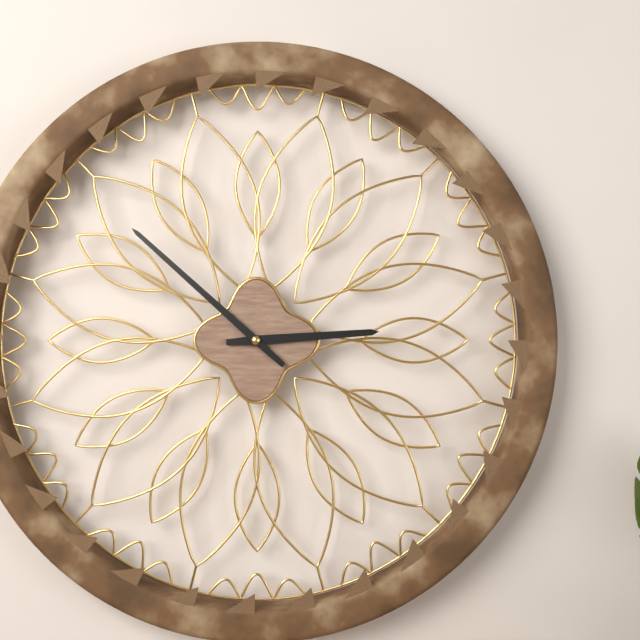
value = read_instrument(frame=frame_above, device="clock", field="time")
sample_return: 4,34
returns 2,52
